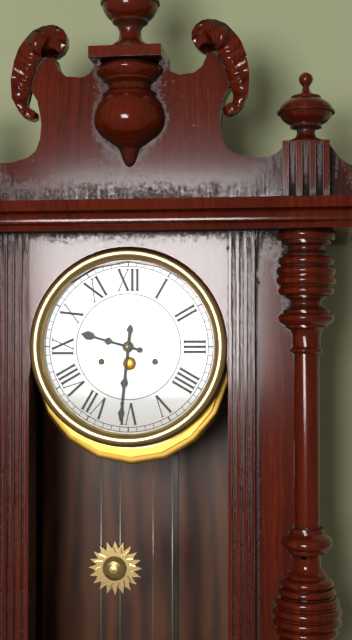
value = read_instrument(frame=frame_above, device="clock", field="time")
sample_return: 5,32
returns 9,31
